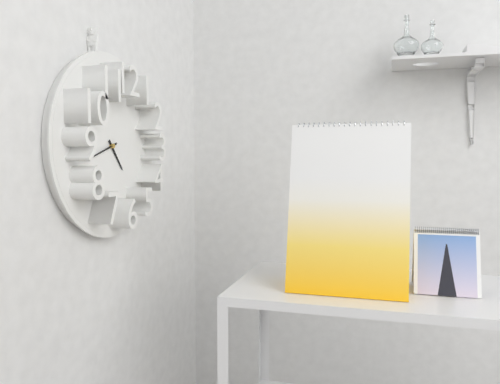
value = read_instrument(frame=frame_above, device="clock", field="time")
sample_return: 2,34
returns 4,42
